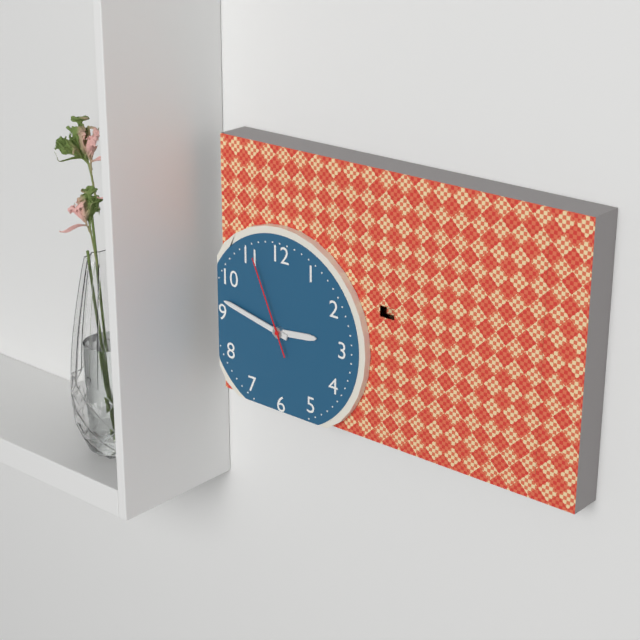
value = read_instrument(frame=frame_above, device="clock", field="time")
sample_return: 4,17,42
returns 2,47,56
